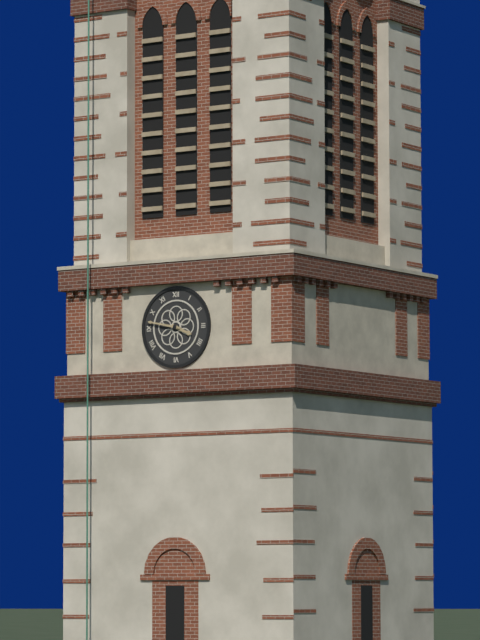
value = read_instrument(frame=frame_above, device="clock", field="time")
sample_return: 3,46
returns 3,47
